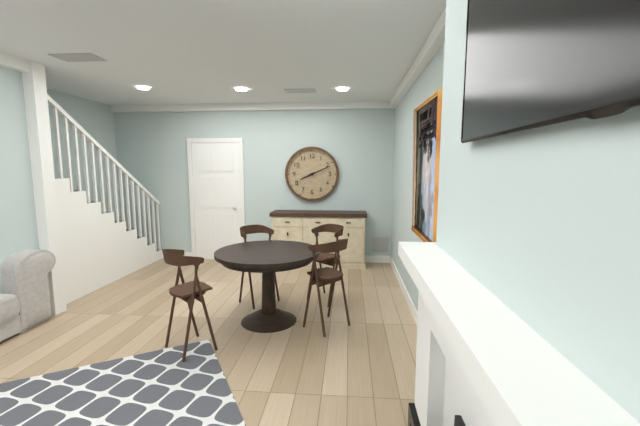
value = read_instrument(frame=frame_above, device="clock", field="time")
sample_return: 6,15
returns 8,11
